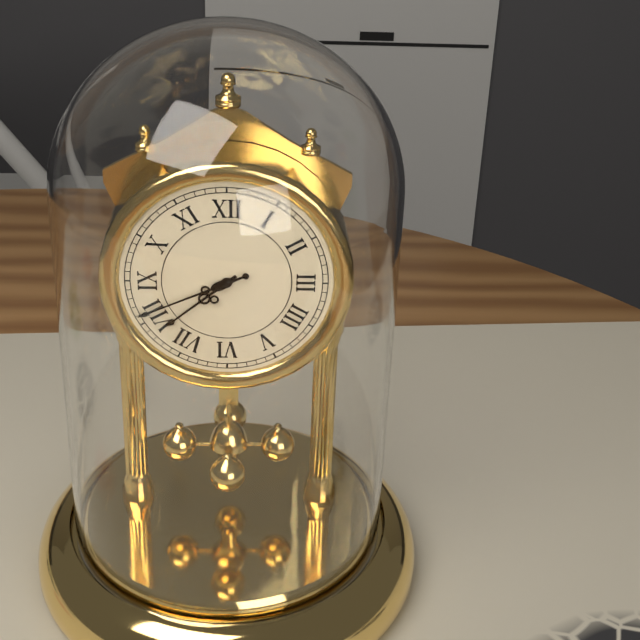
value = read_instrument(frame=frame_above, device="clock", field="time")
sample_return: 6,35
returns 7,41
